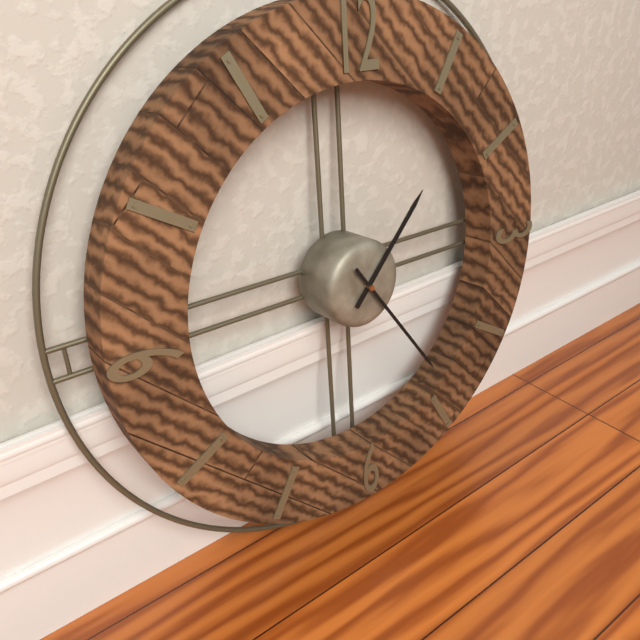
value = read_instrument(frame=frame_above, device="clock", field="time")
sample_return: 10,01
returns 1,24
